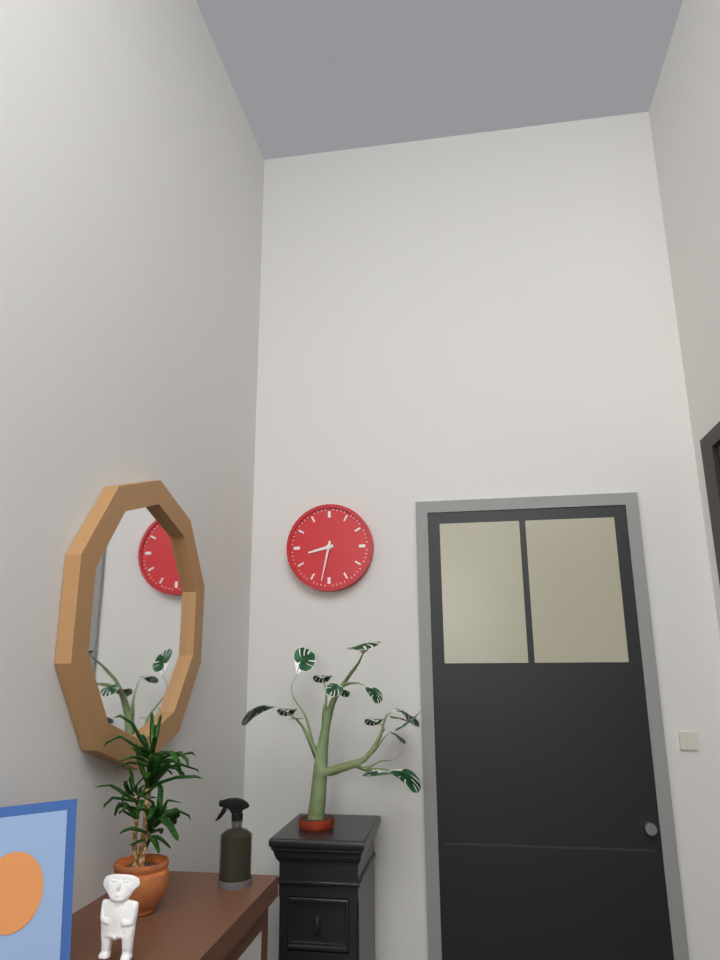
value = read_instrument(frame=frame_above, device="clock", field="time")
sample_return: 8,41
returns 8,32
